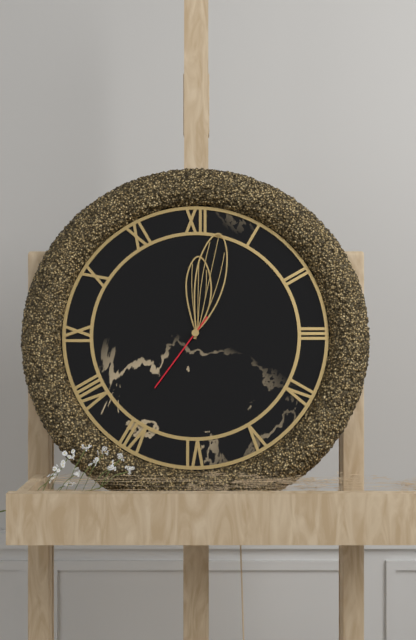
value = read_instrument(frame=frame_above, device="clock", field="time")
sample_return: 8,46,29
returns 12,02,36
